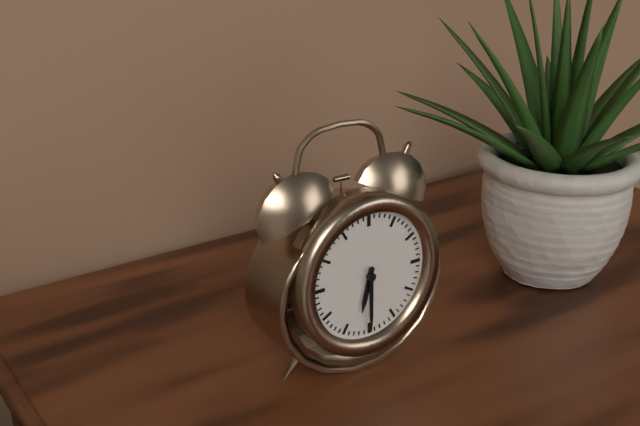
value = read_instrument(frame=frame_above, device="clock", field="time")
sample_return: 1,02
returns 6,30
